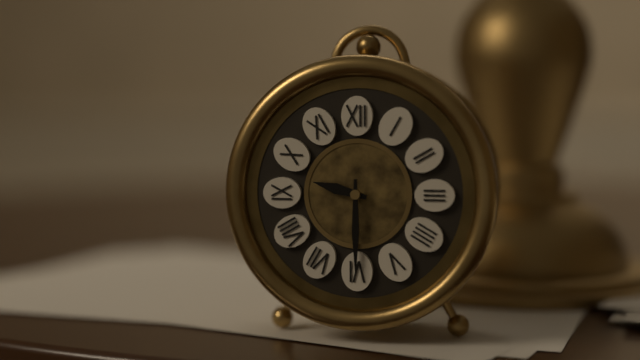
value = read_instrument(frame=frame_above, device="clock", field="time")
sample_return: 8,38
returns 9,30
